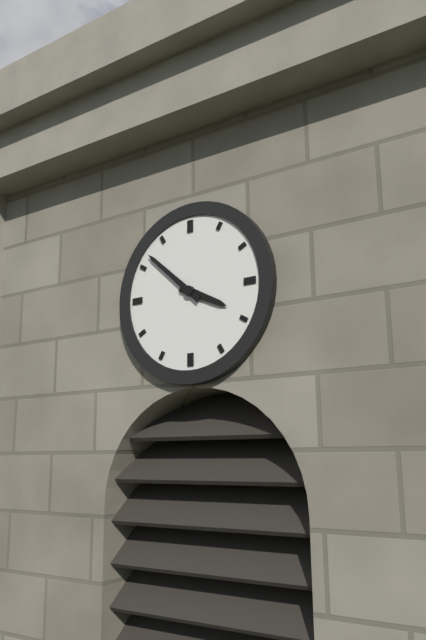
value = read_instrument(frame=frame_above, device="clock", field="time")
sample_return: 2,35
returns 3,52
